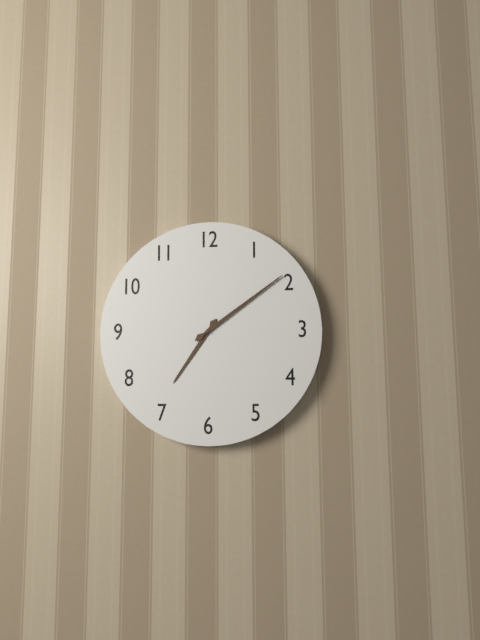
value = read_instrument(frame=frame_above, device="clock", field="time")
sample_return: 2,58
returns 7,09
